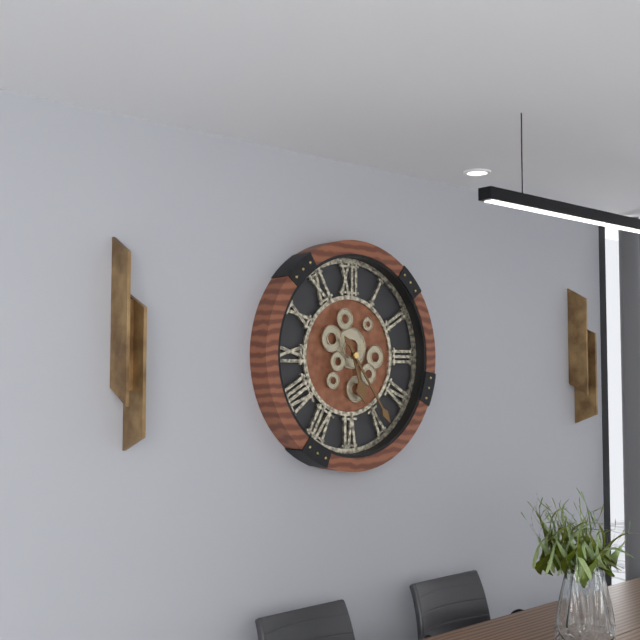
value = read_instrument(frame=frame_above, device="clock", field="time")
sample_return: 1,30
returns 5,24
